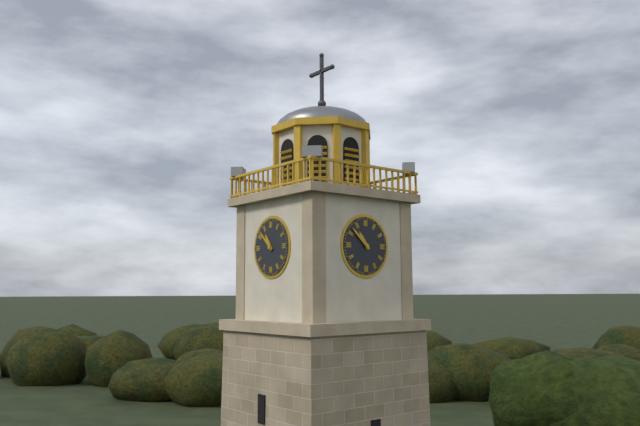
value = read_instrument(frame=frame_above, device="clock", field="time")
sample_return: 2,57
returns 10,52
